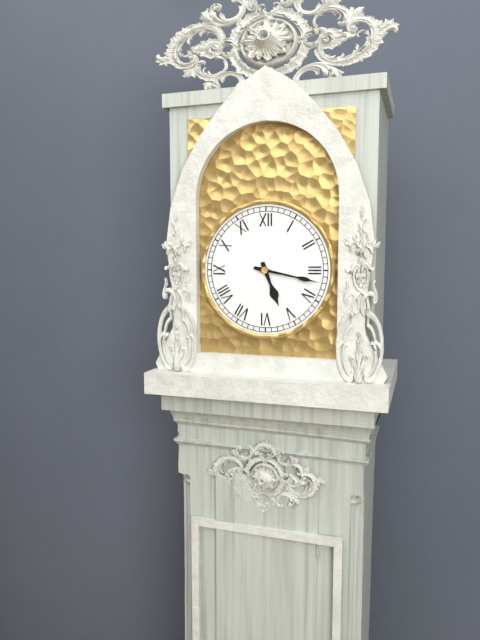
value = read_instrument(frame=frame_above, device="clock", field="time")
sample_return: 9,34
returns 5,17
